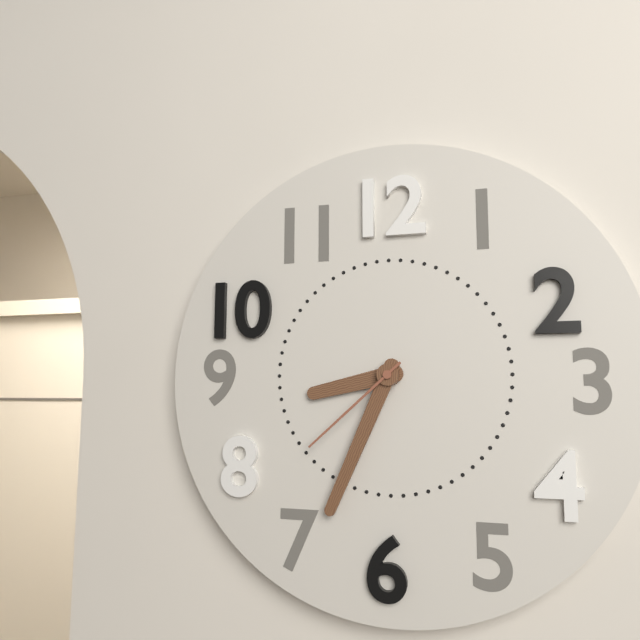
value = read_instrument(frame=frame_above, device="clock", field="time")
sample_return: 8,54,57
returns 8,34,38
